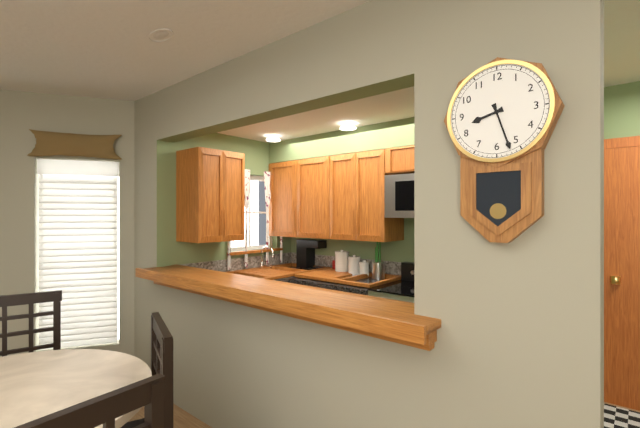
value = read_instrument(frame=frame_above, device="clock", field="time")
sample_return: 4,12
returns 8,27
